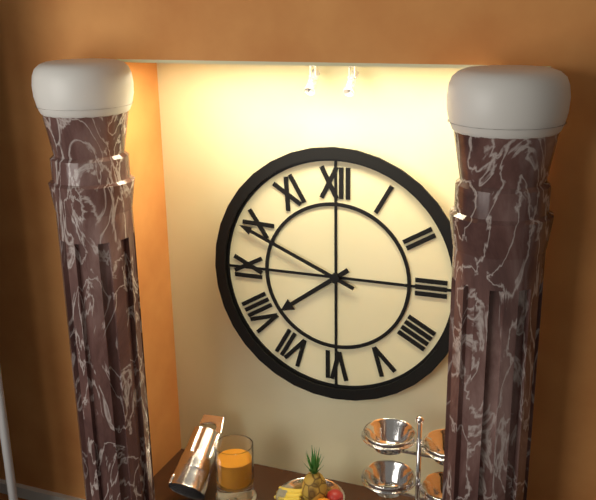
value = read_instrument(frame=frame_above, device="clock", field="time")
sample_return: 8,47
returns 7,49
